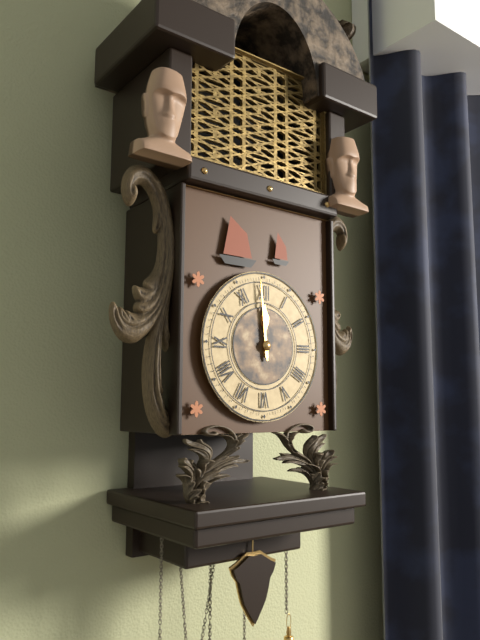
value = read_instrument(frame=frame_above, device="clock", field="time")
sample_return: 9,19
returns 11,59
